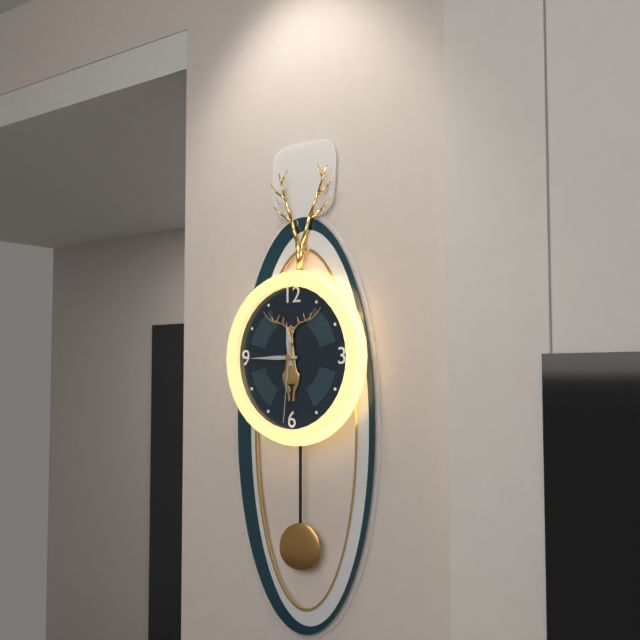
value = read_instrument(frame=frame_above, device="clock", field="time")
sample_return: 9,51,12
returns 11,45,31
